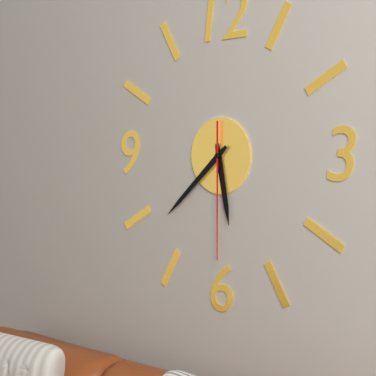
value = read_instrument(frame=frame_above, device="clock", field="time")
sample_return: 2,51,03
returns 5,38,30
